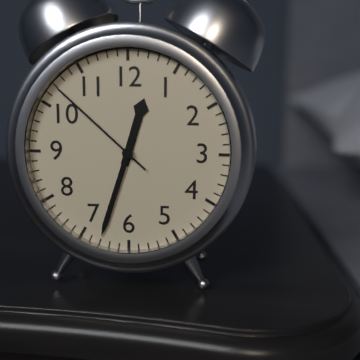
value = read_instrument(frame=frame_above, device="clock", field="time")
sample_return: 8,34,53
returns 12,33,52
